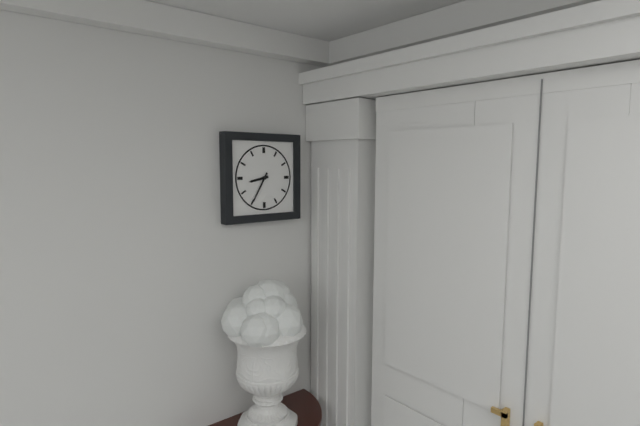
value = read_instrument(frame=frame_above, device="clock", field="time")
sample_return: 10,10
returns 8,35
